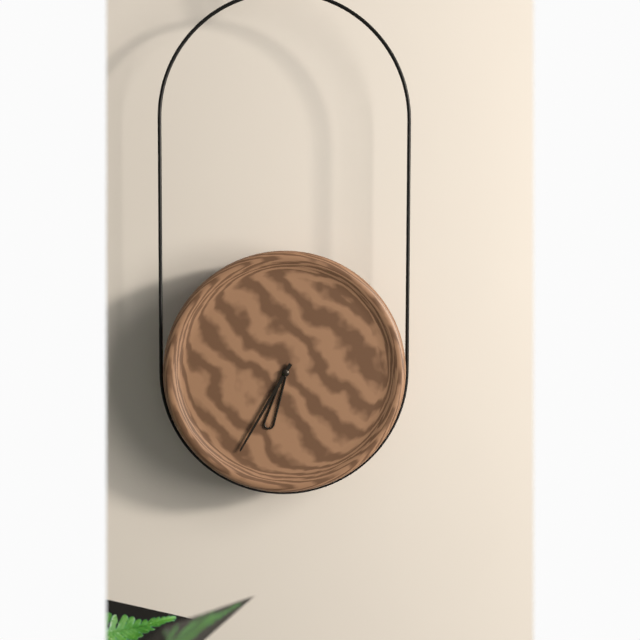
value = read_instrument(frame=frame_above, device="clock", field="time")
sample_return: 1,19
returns 6,35
